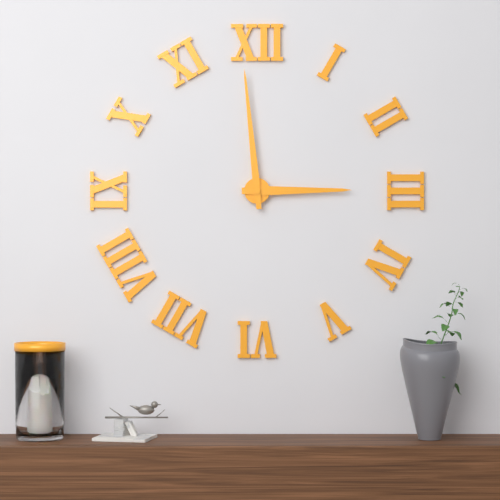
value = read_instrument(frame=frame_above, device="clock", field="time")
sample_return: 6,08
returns 2,59
